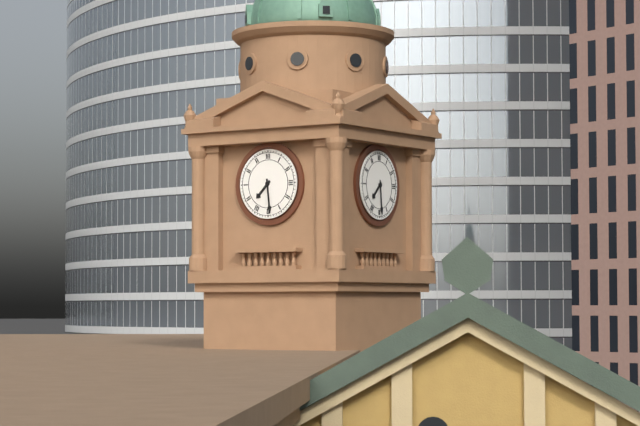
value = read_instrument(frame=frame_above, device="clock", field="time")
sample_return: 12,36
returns 7,29
